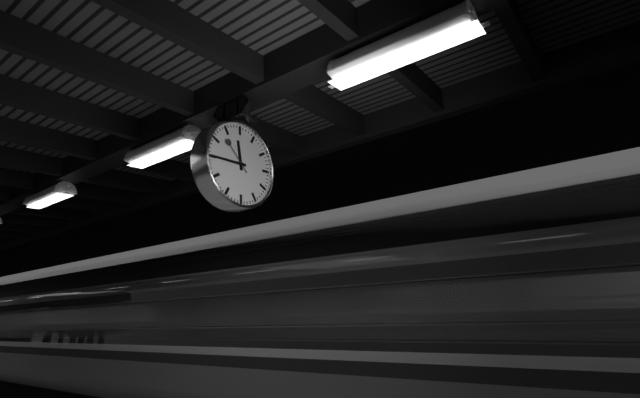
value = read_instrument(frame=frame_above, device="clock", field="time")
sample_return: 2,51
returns 11,45
